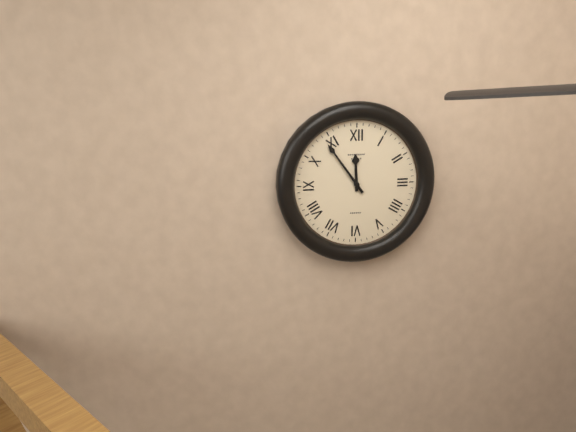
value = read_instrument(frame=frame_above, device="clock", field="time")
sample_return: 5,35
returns 11,54
